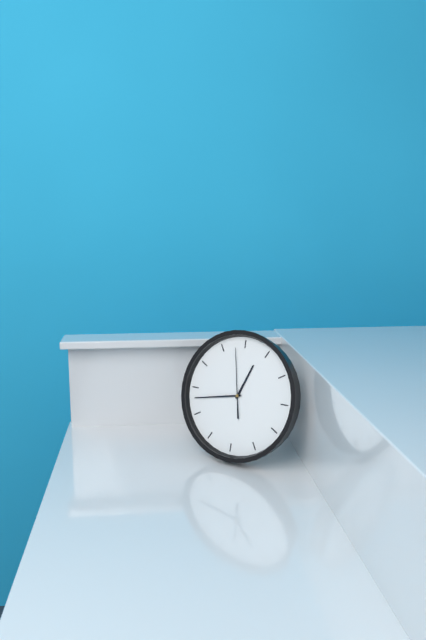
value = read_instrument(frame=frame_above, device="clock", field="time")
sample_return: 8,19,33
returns 12,43,58
